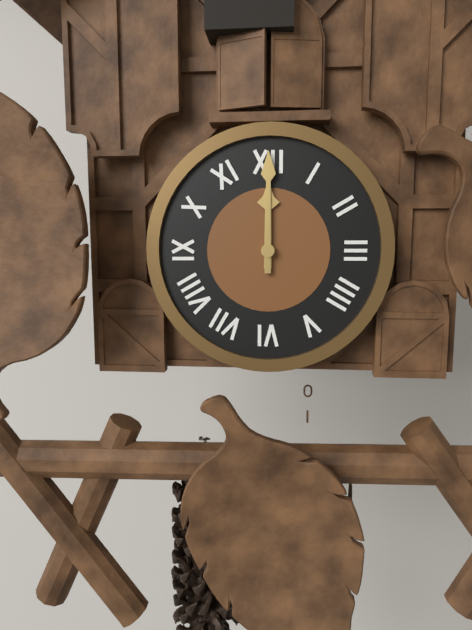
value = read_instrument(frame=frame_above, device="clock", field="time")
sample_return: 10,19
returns 12,00
